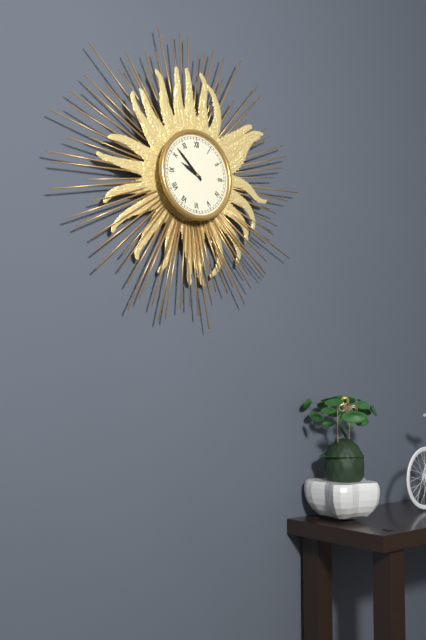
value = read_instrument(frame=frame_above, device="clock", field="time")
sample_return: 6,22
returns 9,52
